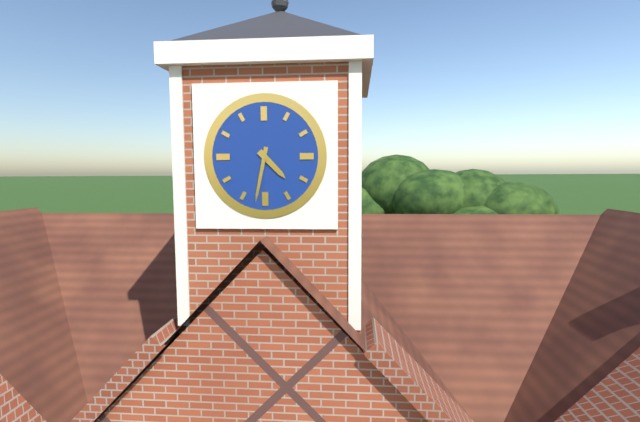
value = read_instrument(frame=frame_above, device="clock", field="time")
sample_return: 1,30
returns 4,32
